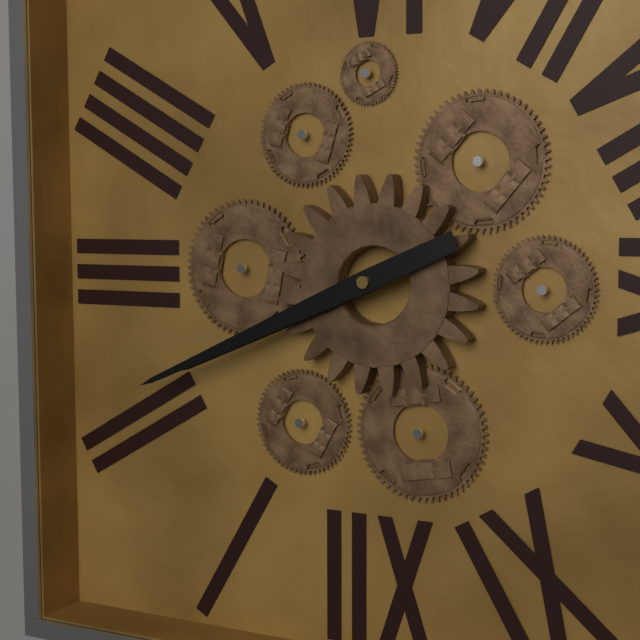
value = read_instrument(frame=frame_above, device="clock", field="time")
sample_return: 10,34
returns 2,11
